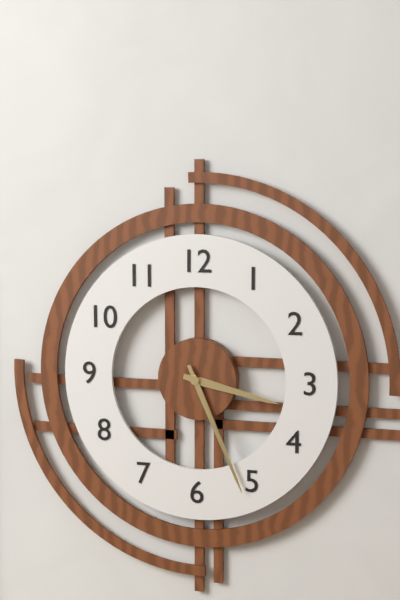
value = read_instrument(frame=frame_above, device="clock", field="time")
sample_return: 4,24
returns 3,26
